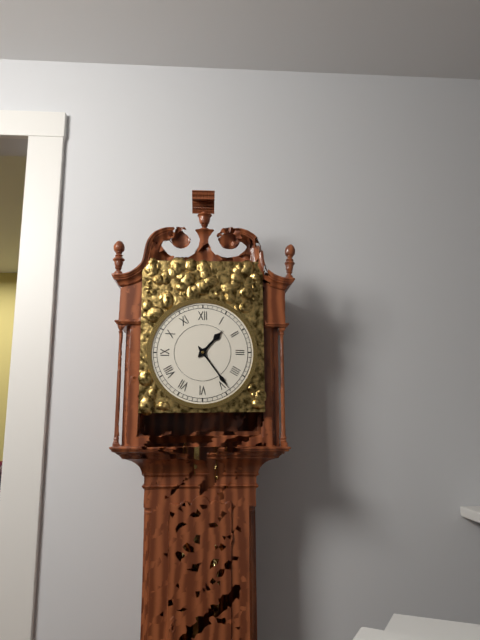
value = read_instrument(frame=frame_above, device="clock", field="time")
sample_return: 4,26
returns 1,24
